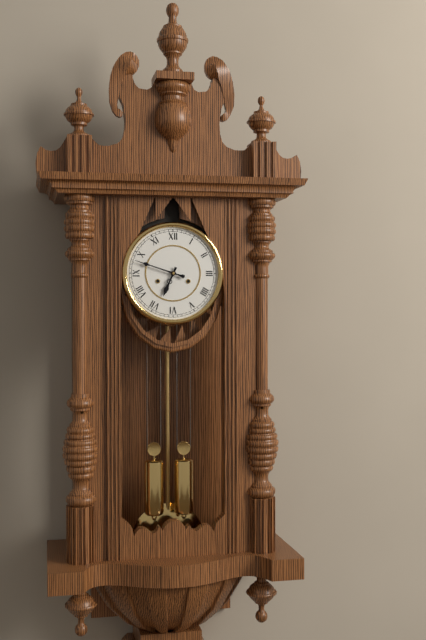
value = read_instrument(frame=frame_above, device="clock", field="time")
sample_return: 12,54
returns 6,48
